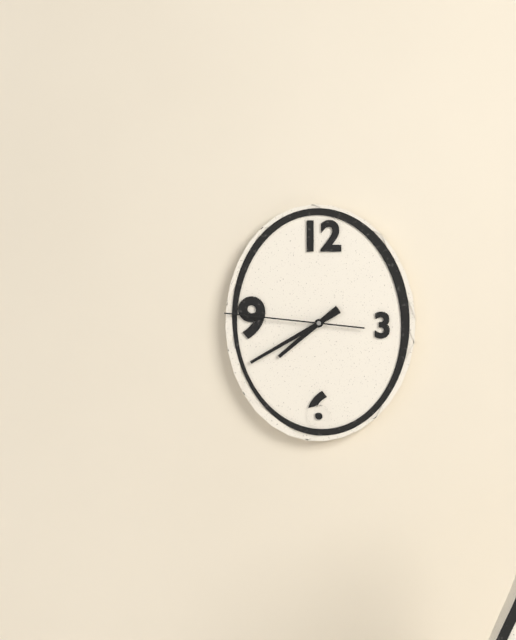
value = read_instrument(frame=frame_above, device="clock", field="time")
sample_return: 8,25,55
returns 7,40,46
